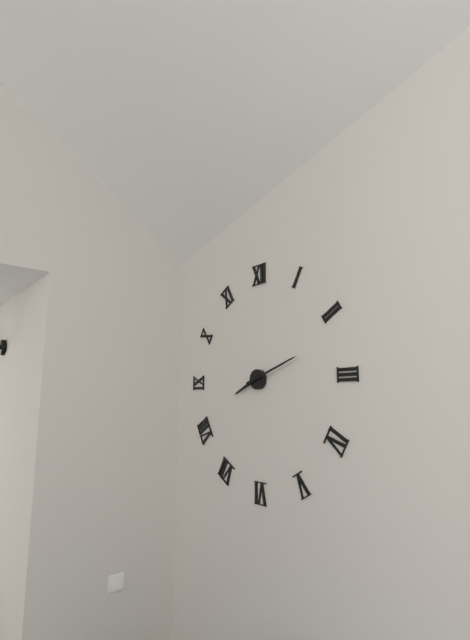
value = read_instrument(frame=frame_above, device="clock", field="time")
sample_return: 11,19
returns 8,12
